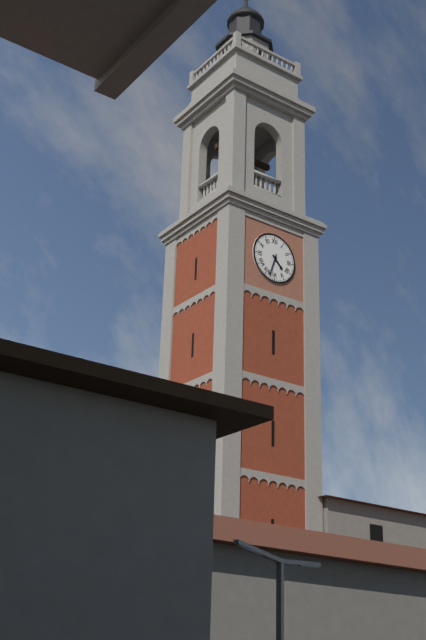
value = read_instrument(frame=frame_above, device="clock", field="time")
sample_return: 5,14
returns 4,33
